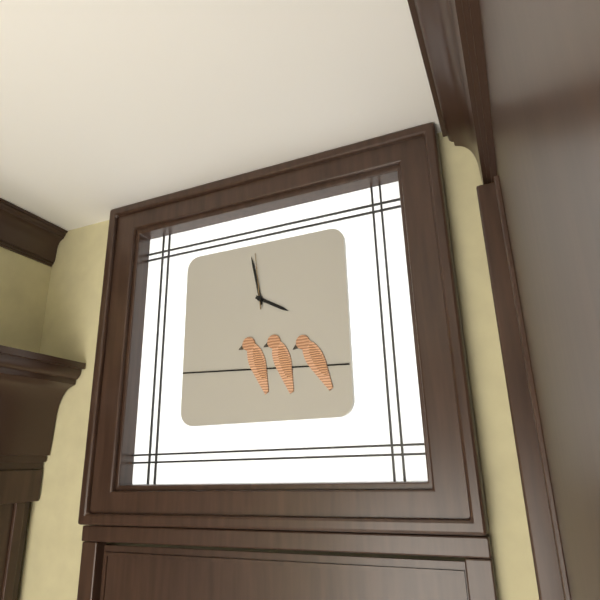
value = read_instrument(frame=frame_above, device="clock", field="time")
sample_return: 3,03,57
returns 3,58,59
